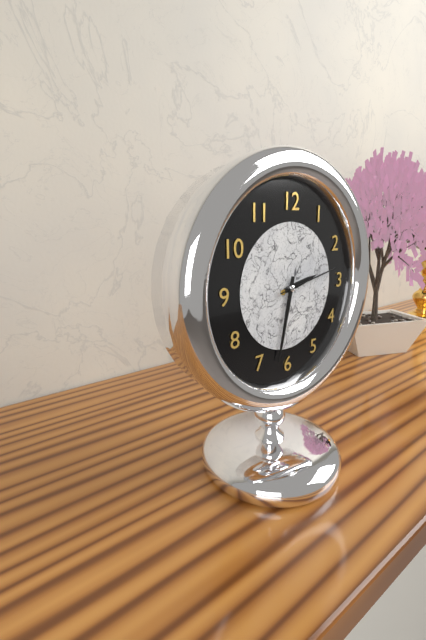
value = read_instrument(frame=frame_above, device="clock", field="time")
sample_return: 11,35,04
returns 2,32,13
